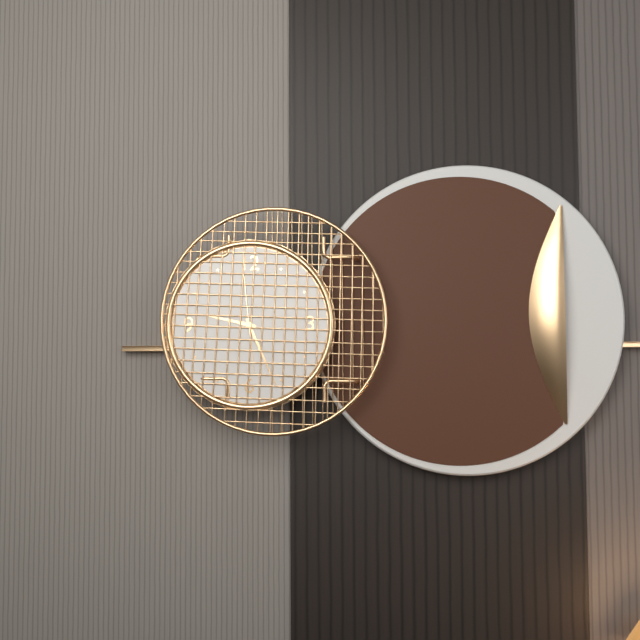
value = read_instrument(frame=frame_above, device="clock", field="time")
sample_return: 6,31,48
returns 9,26,59
